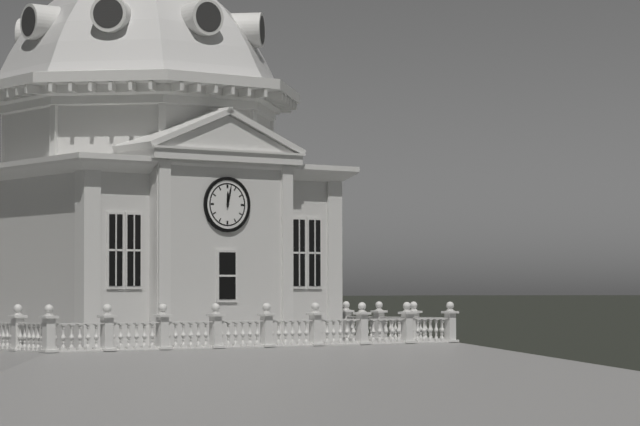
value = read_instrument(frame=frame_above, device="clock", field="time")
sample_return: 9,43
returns 12,02
